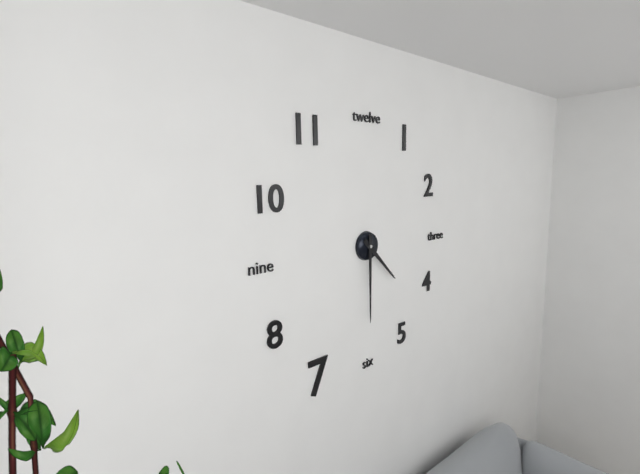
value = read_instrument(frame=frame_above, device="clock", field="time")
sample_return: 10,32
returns 4,30
